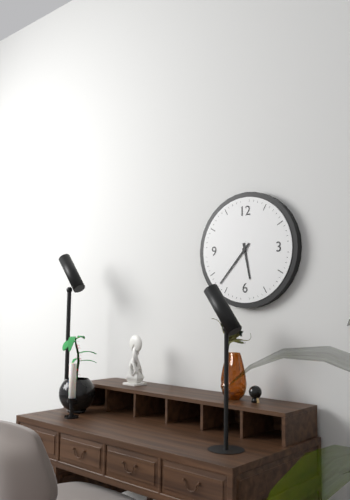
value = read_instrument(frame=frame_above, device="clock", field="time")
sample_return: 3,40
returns 5,37
